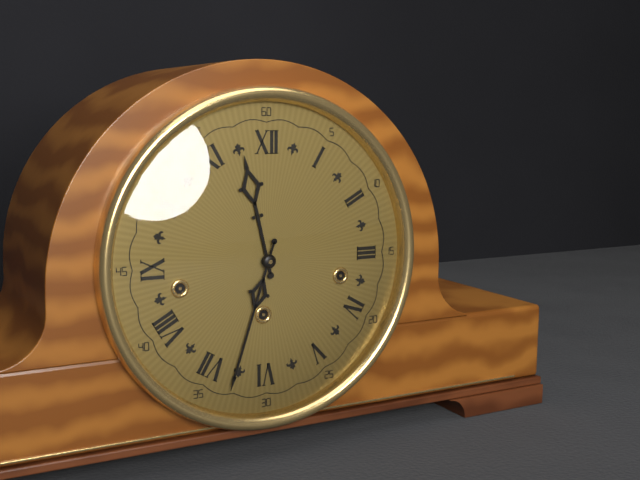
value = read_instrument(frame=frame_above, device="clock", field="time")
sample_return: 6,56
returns 11,33
